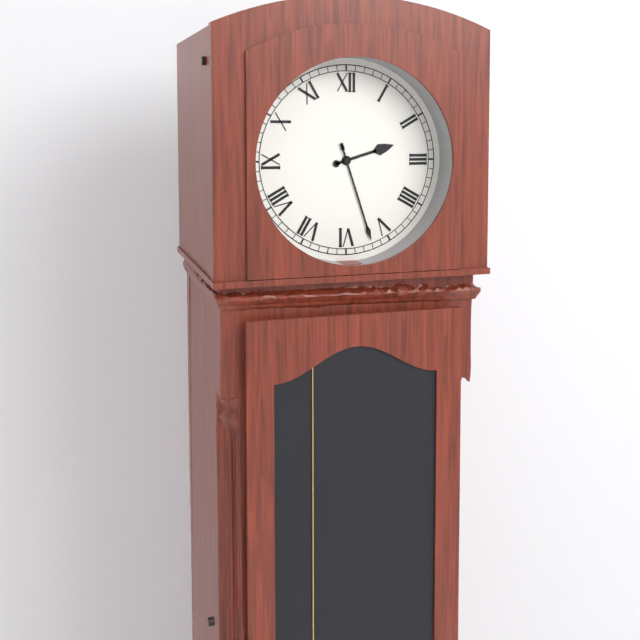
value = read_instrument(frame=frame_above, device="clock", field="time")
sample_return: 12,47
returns 2,27
